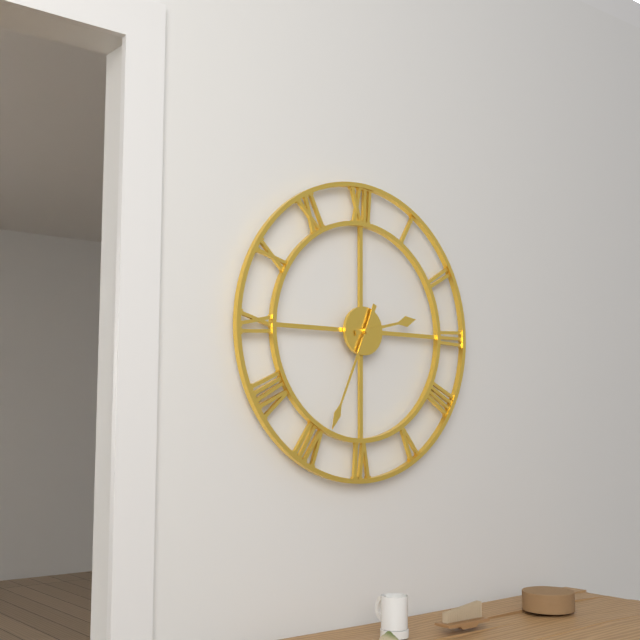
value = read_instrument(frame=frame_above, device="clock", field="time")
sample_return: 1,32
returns 2,34
